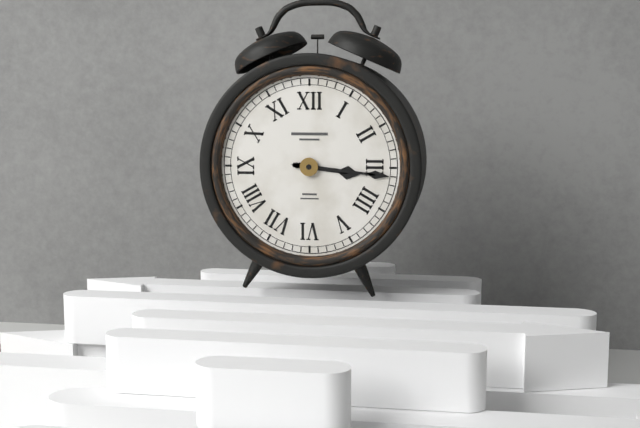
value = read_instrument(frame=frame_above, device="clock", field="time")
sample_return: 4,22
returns 3,16
